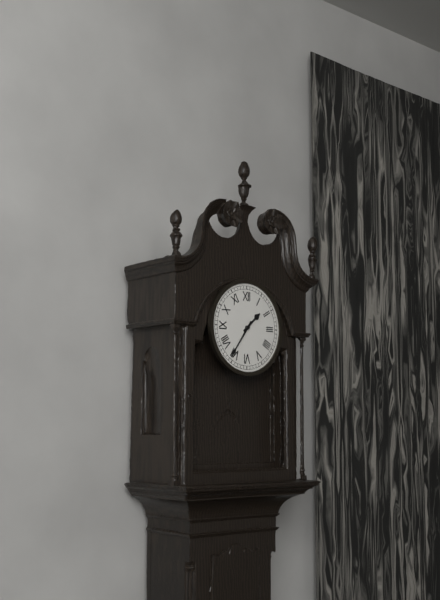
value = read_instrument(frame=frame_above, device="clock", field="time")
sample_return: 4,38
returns 1,36
